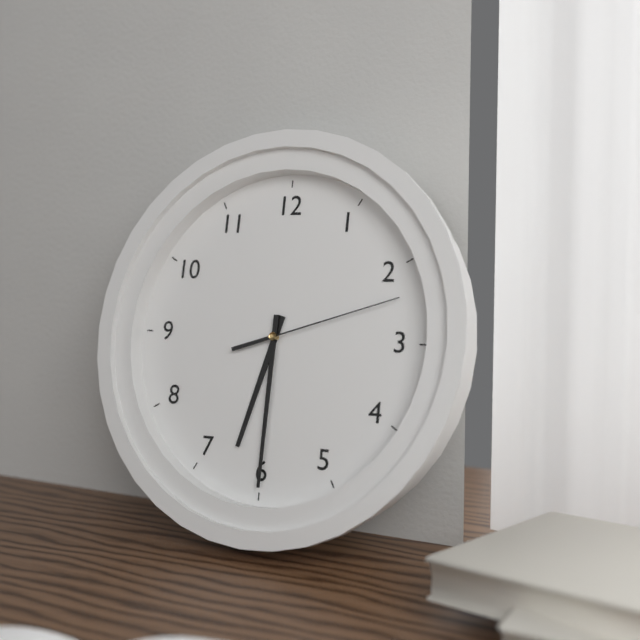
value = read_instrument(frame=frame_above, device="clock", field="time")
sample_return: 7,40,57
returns 6,30,12
